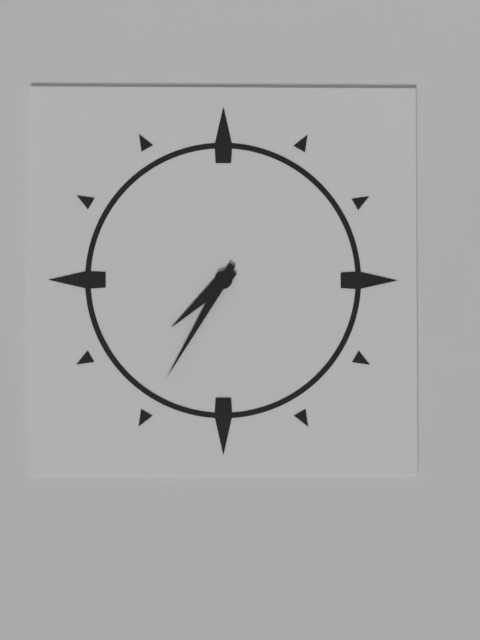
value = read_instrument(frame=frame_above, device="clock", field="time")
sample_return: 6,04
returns 7,35
